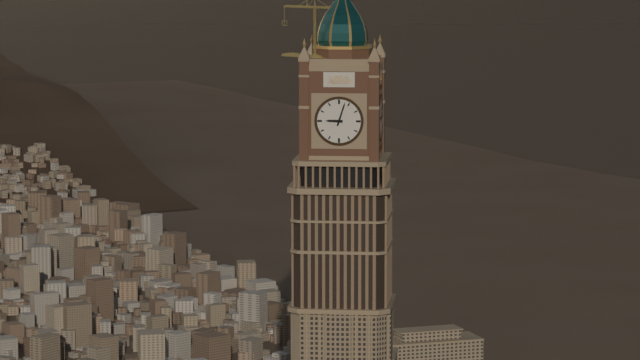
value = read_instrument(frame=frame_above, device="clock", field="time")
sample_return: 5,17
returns 9,03
